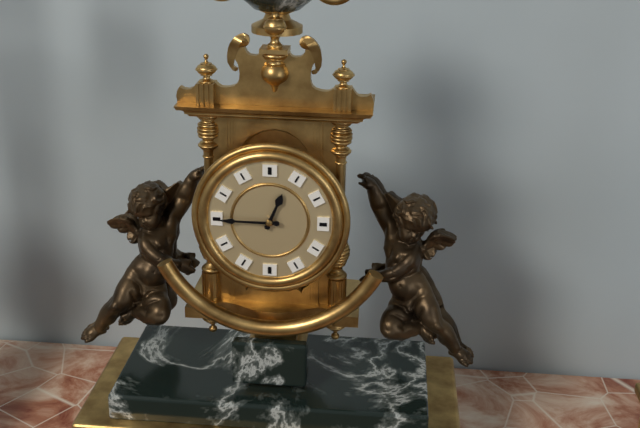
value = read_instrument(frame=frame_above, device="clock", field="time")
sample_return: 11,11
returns 12,45
